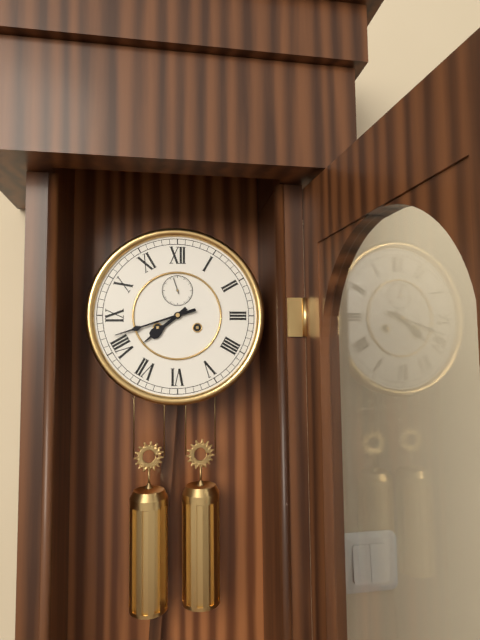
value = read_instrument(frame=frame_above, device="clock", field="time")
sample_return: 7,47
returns 7,42
